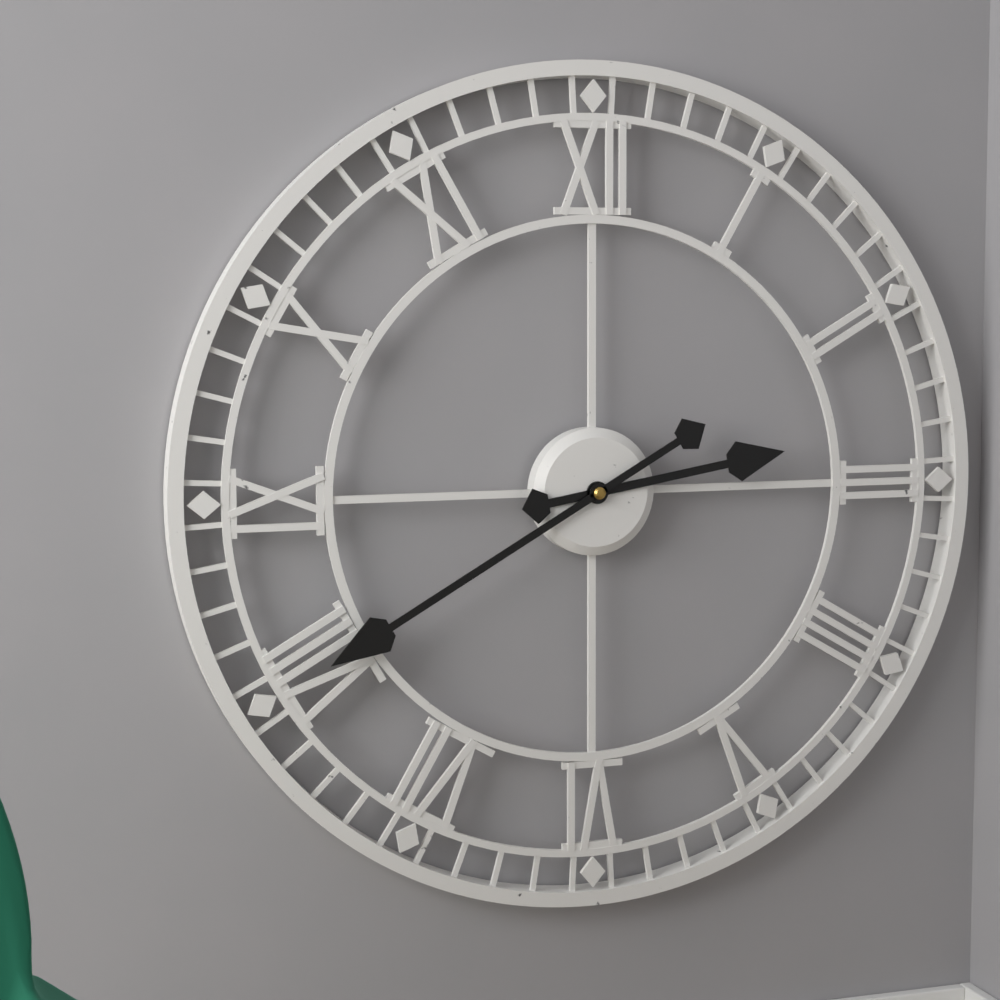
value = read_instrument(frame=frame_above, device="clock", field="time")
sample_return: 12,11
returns 2,40
